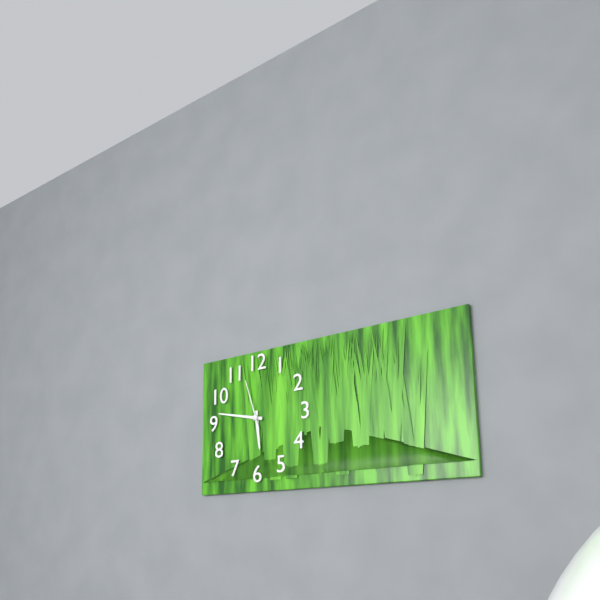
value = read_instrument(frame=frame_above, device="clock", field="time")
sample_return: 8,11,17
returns 5,47,57
